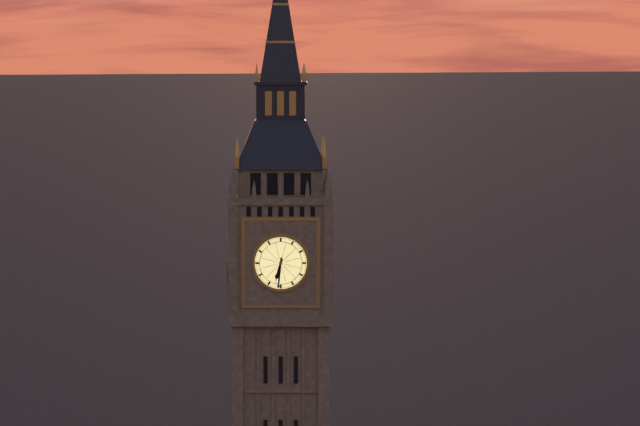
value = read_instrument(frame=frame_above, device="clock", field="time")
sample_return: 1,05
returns 6,31
